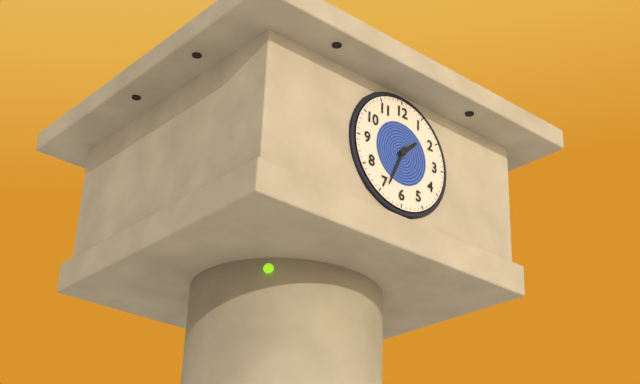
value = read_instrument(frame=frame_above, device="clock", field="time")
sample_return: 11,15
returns 1,34
